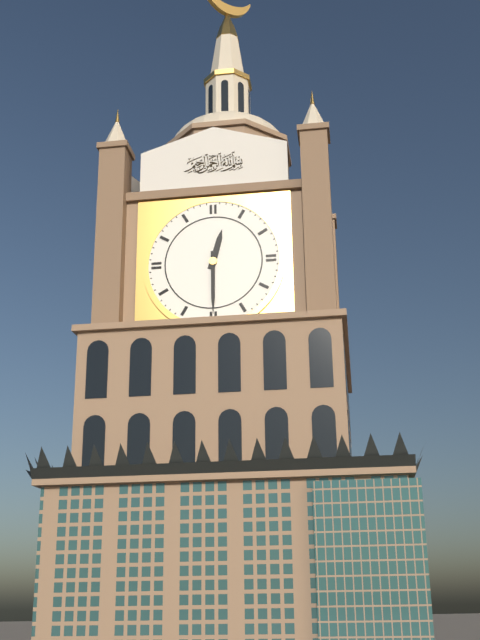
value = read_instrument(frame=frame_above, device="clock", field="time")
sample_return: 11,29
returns 12,30
